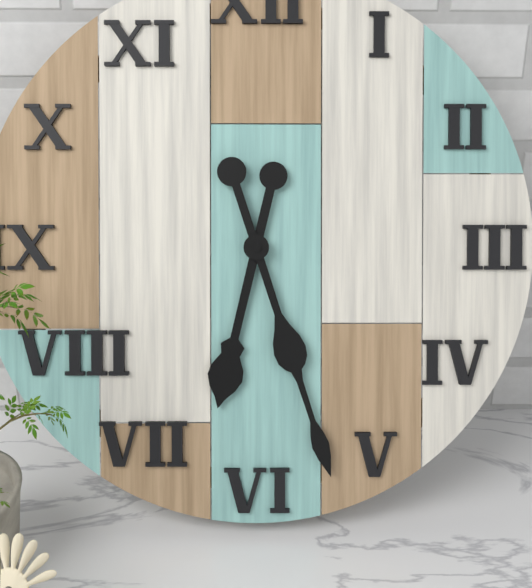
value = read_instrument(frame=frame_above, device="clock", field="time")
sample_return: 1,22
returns 6,27
